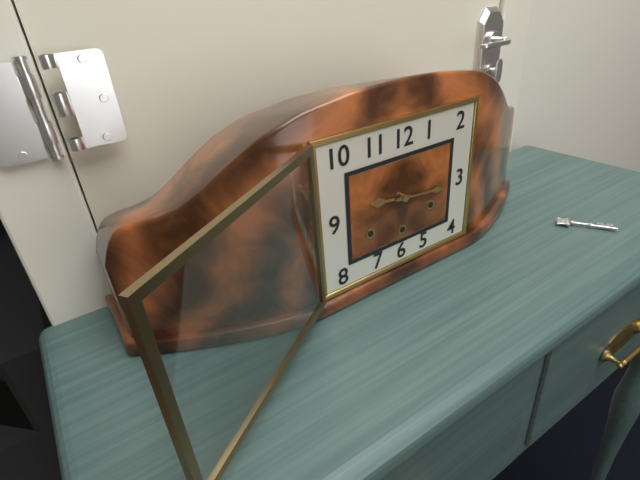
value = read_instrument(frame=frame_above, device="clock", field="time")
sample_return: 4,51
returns 9,16
